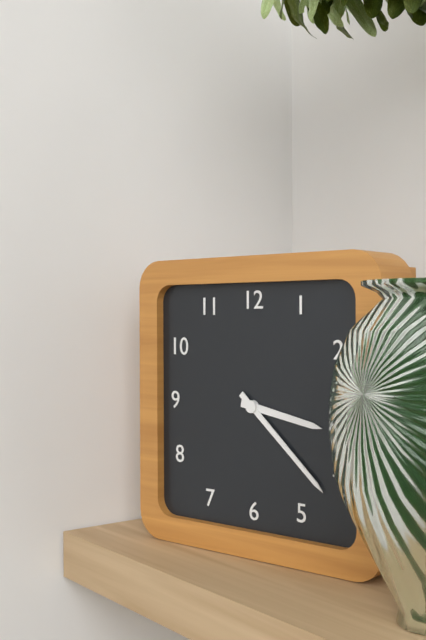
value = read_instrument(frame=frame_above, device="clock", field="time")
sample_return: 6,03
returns 3,22
